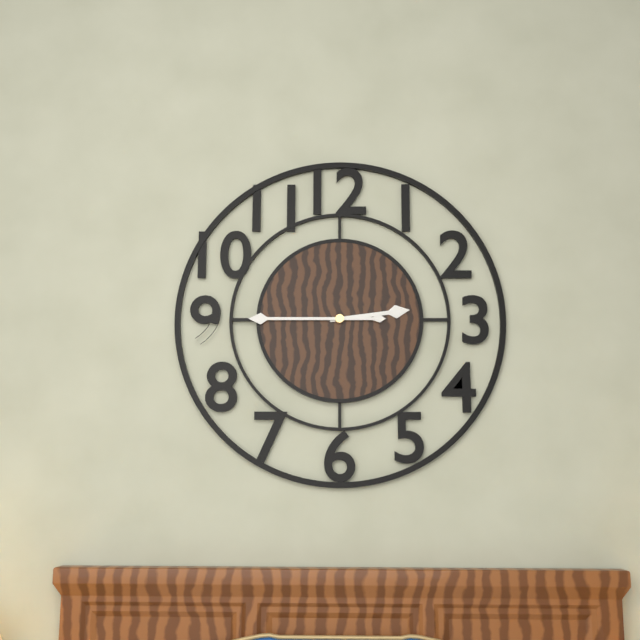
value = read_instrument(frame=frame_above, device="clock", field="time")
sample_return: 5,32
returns 2,45
